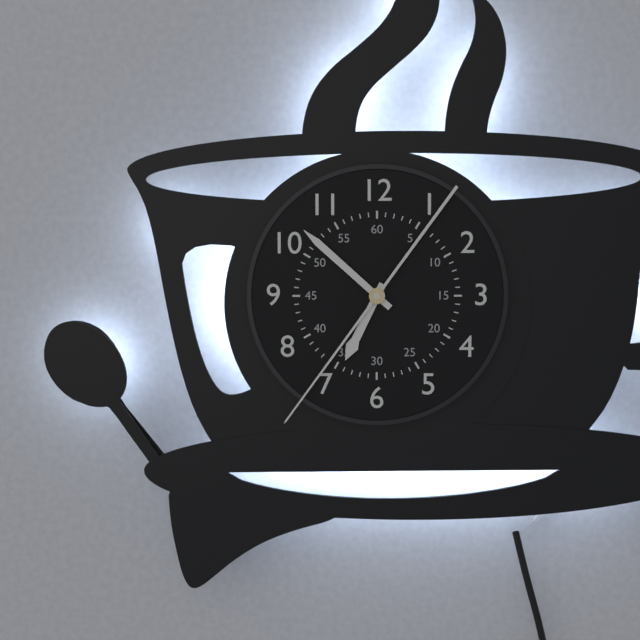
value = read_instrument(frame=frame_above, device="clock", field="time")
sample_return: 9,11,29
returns 6,52,36
